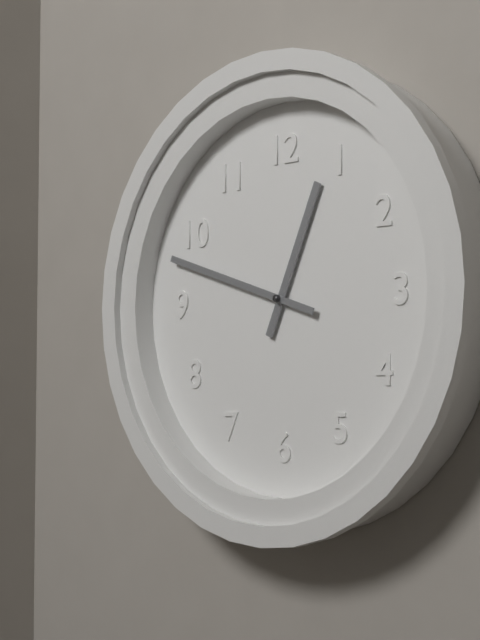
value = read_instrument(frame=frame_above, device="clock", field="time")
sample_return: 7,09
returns 12,48
